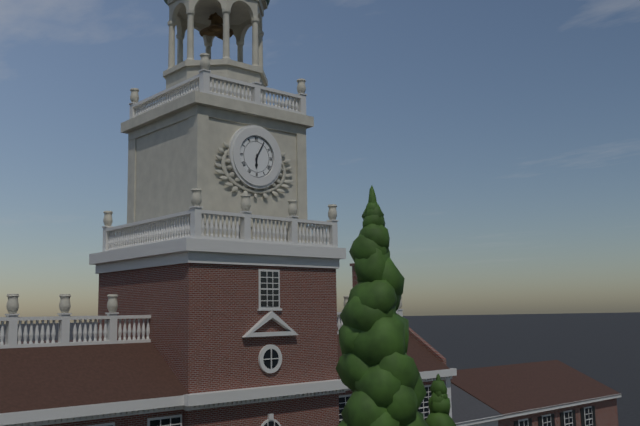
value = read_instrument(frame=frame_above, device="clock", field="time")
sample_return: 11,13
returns 6,05
